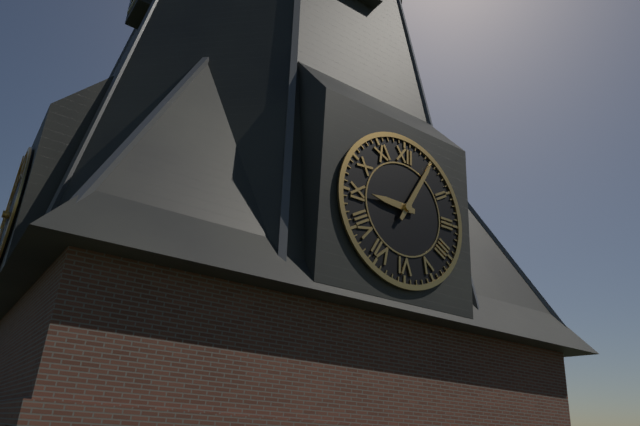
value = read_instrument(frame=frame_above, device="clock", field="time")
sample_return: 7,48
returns 9,05
